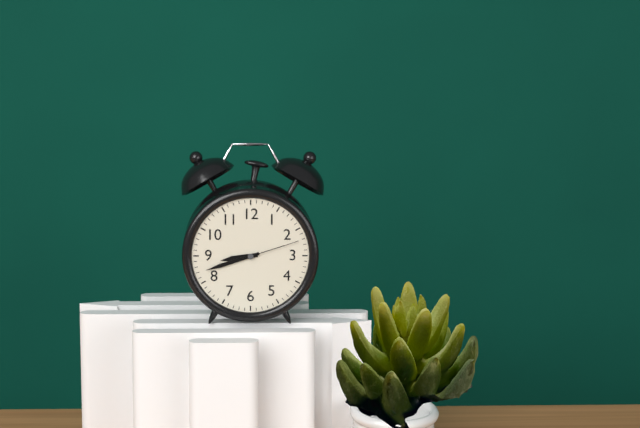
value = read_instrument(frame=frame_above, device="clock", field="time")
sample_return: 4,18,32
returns 8,42,12
